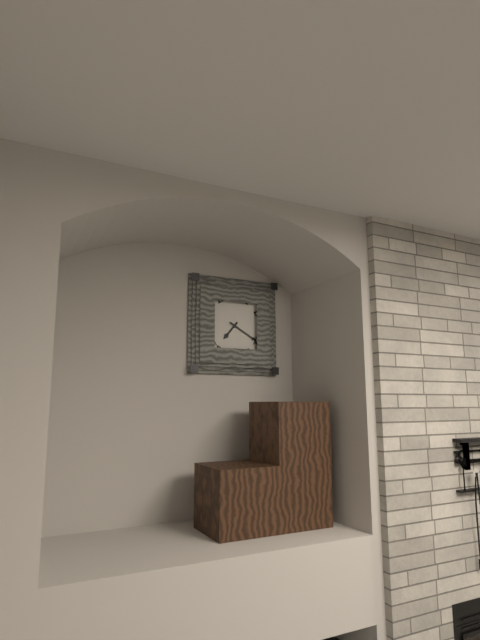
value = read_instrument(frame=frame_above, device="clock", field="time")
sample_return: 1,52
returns 7,20
